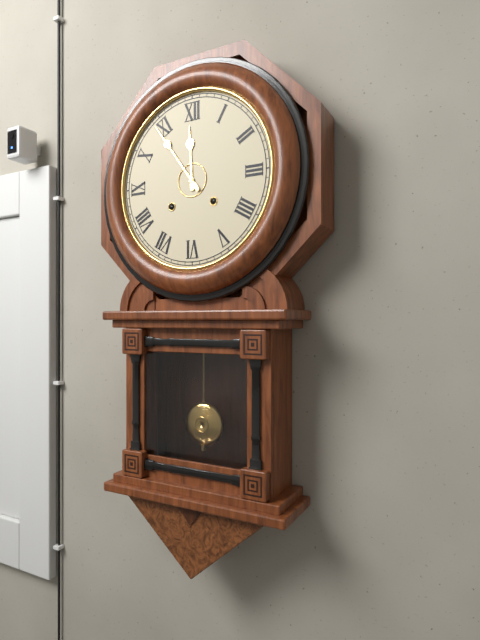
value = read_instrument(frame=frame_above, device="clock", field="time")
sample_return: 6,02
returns 11,54
